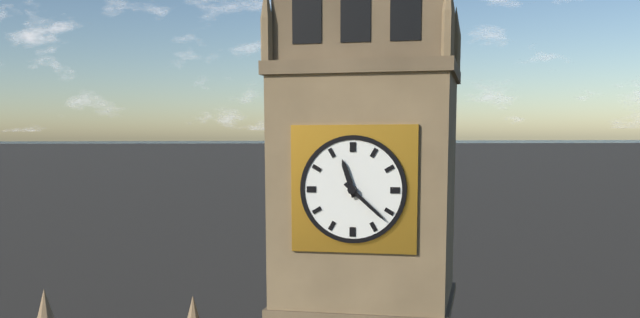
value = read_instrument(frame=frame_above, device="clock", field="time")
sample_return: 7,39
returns 11,22
